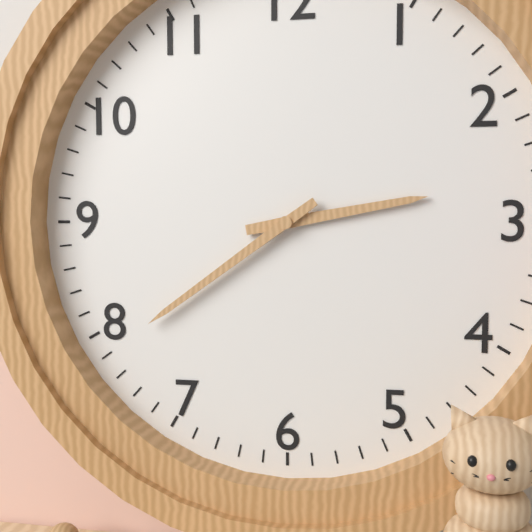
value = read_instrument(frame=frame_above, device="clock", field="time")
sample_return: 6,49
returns 2,39
